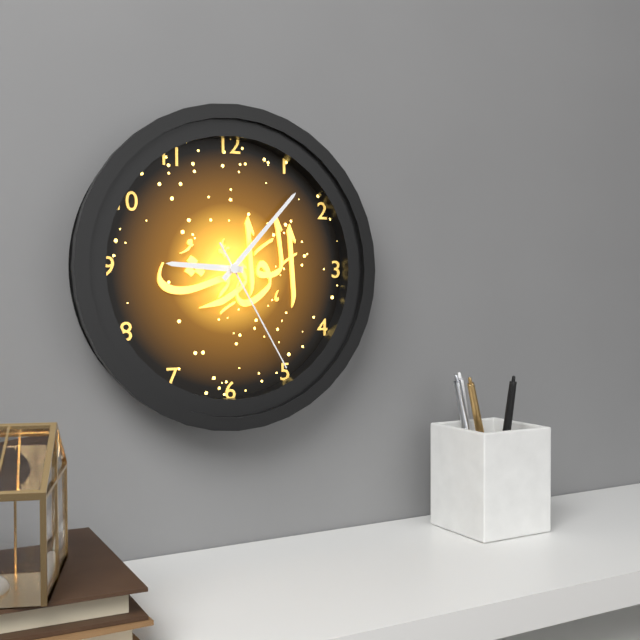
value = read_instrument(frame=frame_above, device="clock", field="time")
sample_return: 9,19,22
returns 9,07,25
